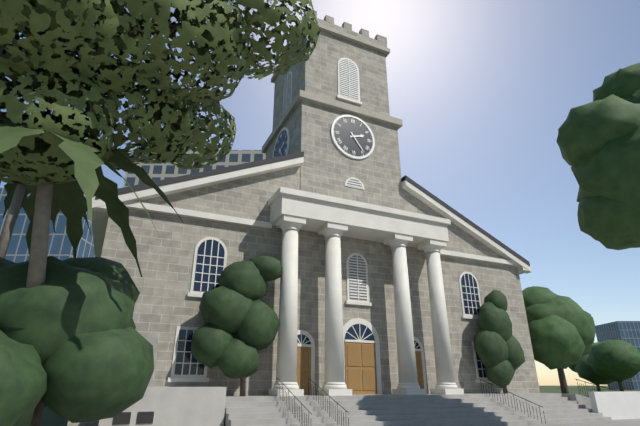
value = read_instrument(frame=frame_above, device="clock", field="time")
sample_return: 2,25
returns 2,24
